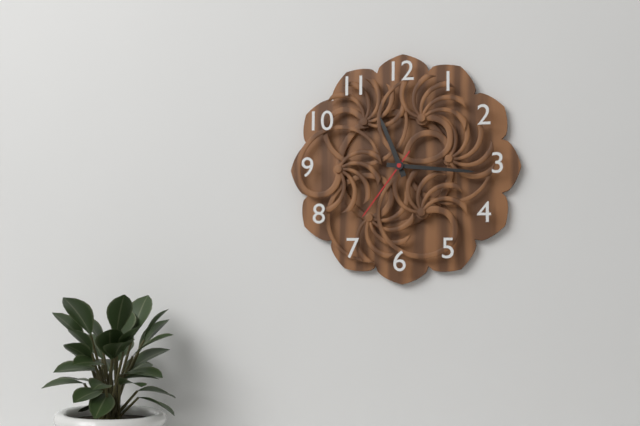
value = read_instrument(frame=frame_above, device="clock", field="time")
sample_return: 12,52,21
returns 11,16,36
